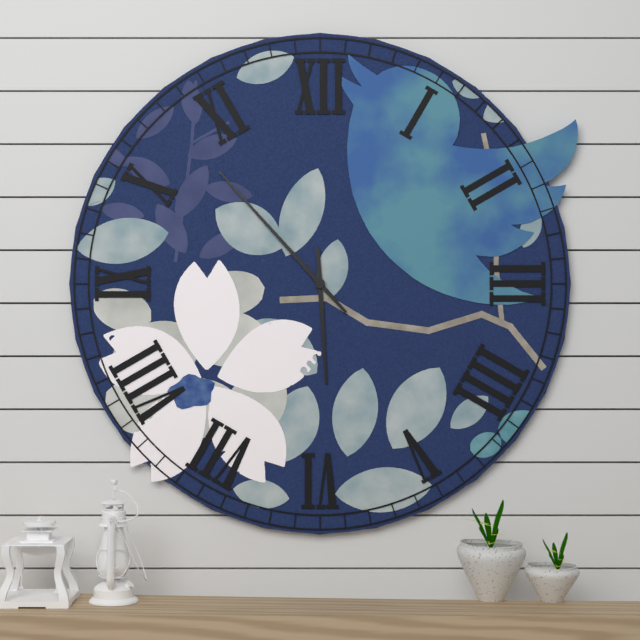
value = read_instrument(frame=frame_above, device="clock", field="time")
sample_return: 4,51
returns 5,53
